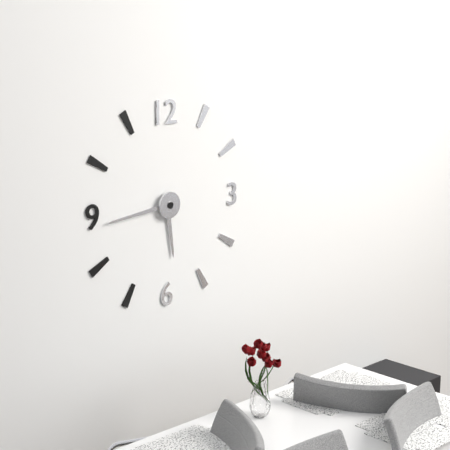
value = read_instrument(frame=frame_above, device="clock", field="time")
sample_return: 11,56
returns 5,44
